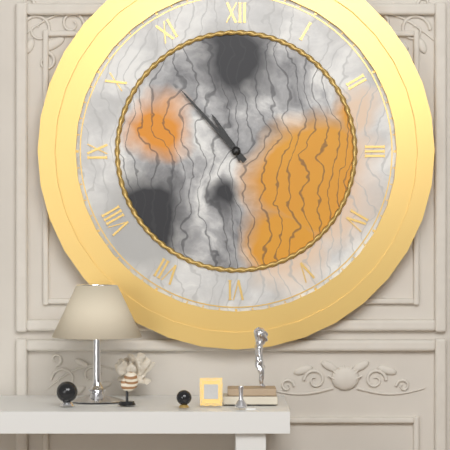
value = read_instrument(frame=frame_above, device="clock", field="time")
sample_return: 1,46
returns 10,53
